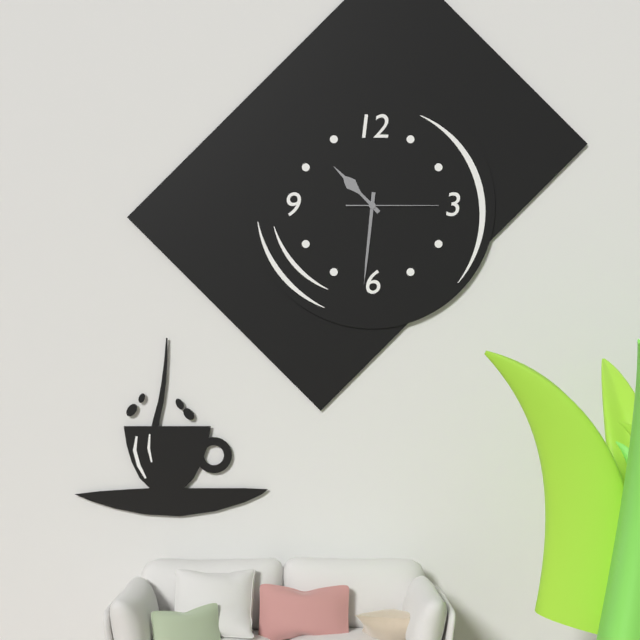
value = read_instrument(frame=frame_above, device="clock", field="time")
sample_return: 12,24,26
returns 10,31,15
